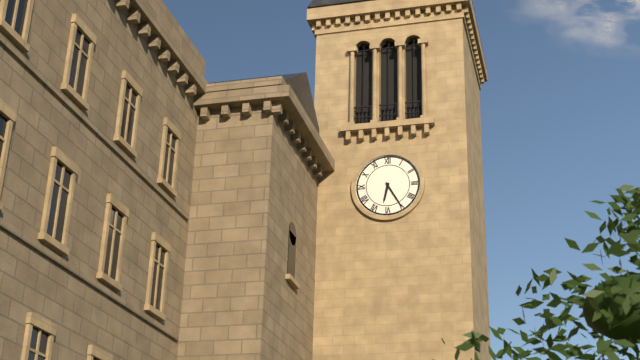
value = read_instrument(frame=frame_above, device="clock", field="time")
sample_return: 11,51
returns 6,25
